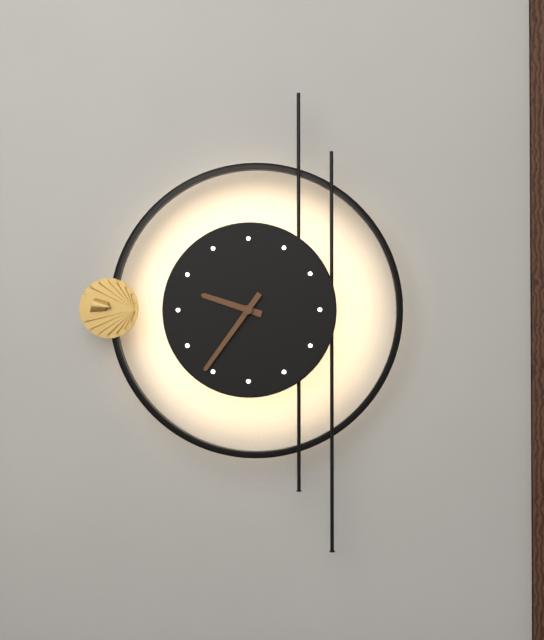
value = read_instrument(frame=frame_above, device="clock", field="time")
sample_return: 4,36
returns 9,36
